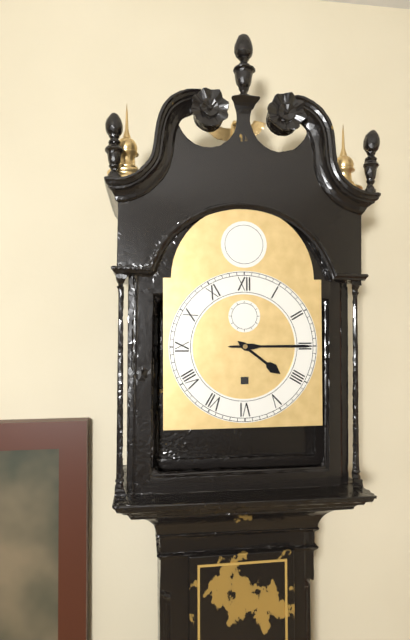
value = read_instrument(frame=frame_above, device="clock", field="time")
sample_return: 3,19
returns 4,15
